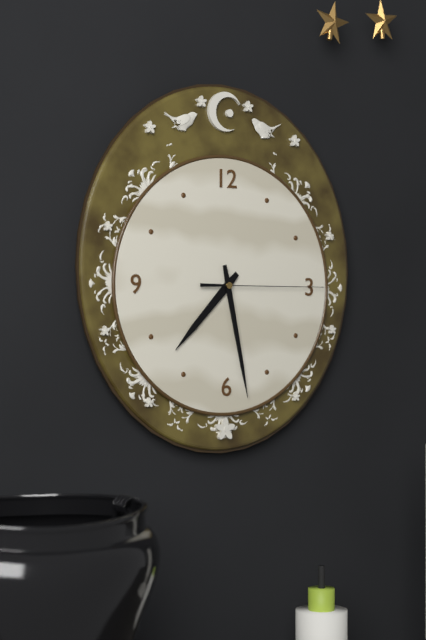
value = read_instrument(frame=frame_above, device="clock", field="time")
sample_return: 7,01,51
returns 7,28,15
